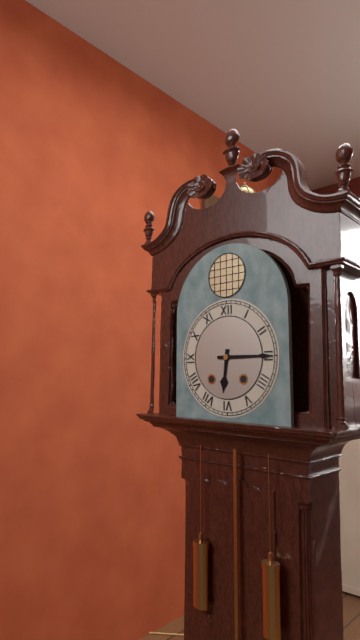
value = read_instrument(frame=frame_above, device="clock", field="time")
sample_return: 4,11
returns 6,15
